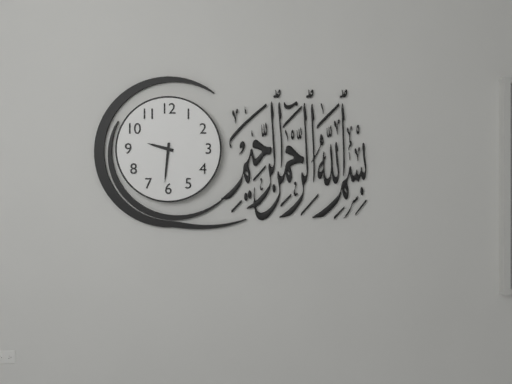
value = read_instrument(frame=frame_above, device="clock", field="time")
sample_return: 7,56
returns 9,31
